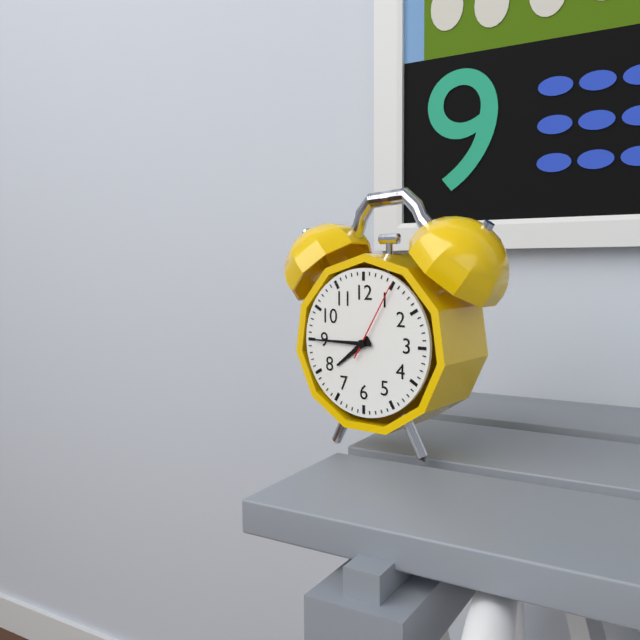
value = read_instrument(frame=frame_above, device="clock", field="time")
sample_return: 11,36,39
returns 7,45,05
